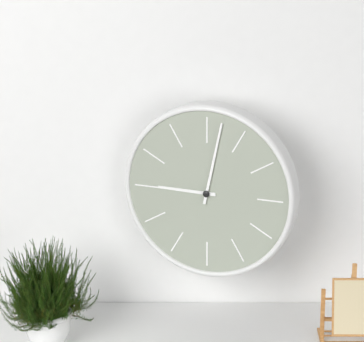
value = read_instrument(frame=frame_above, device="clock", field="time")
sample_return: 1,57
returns 9,02
